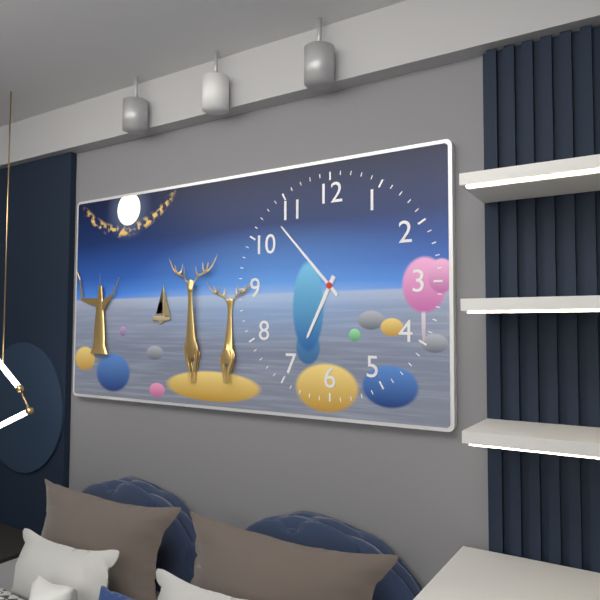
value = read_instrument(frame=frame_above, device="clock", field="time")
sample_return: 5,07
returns 6,53
